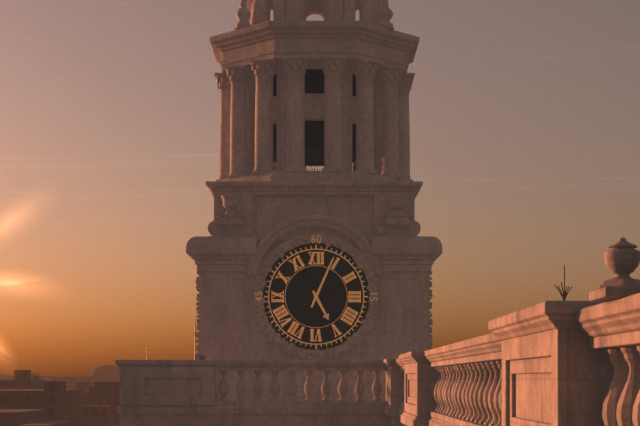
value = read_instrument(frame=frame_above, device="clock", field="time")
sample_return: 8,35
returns 5,04
